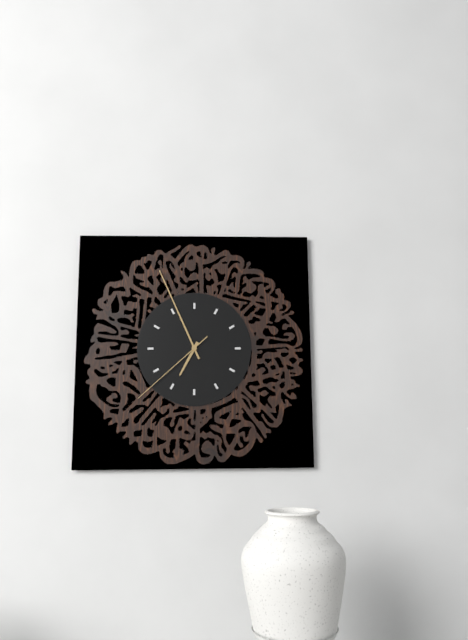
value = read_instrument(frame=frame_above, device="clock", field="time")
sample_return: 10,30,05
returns 6,56,38
